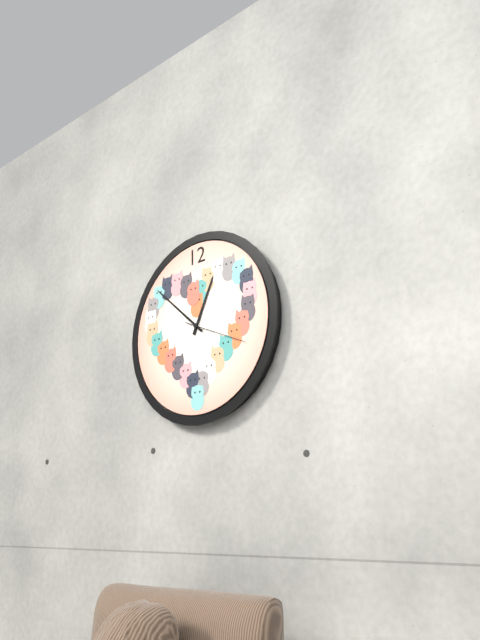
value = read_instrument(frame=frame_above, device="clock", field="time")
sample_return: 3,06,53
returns 12,52,19
